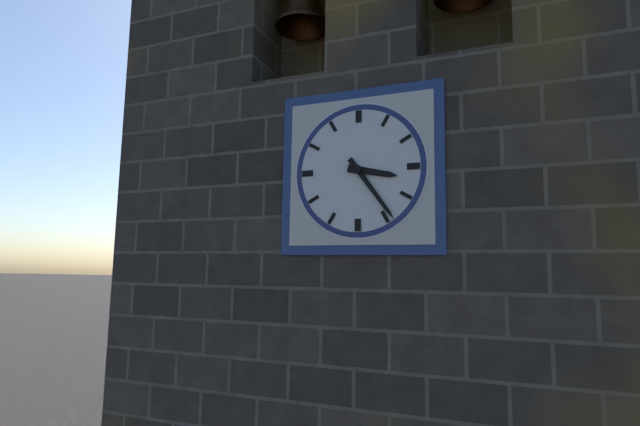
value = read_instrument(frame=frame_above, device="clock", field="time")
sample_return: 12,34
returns 3,24
